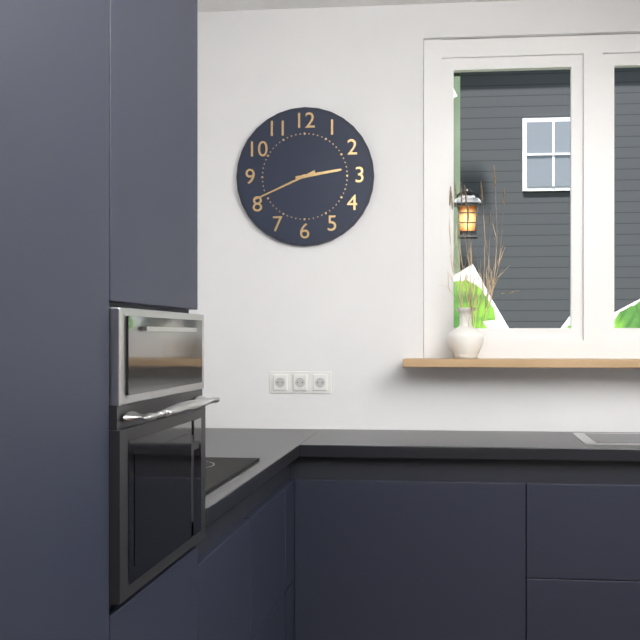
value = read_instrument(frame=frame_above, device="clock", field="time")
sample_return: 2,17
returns 2,41
